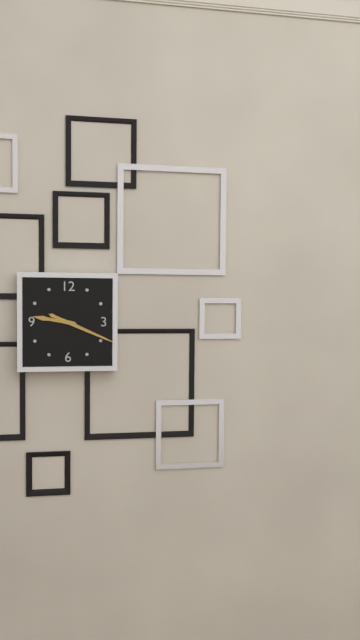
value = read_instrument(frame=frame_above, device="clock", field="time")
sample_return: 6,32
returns 9,19
